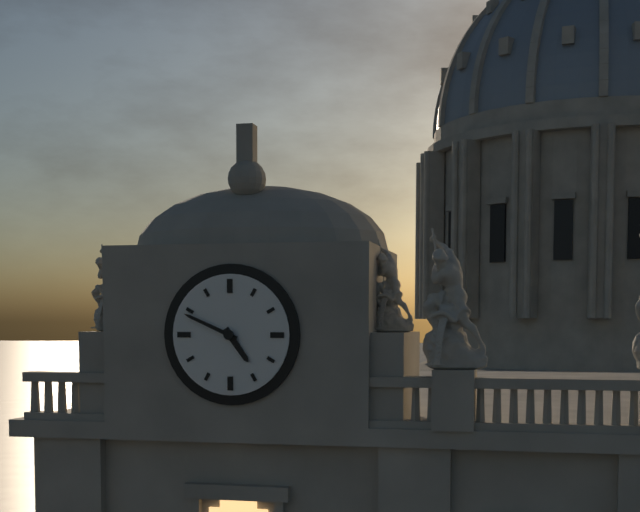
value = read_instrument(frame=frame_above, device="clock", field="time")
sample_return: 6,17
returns 4,49
